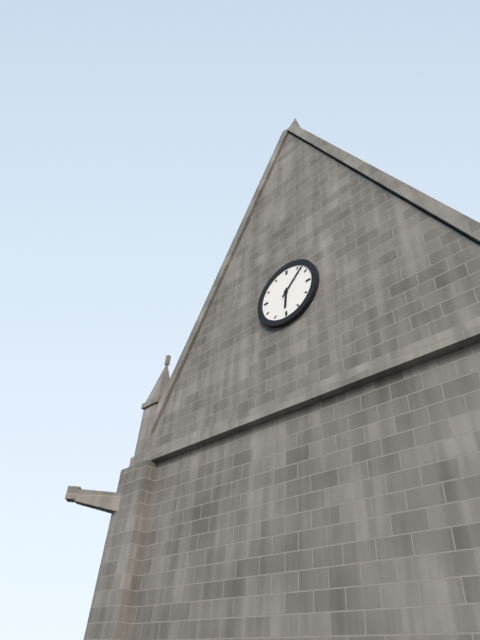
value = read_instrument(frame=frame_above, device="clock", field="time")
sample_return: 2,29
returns 6,07
